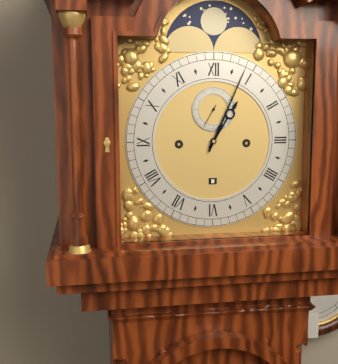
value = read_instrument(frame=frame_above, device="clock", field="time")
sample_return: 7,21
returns 1,04
